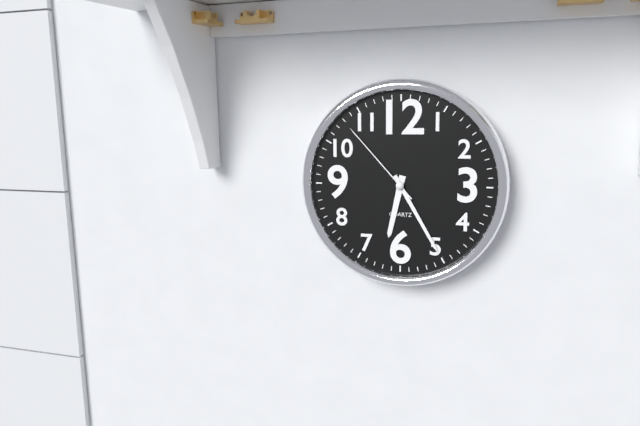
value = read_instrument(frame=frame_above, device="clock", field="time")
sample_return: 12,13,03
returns 6,25,53
